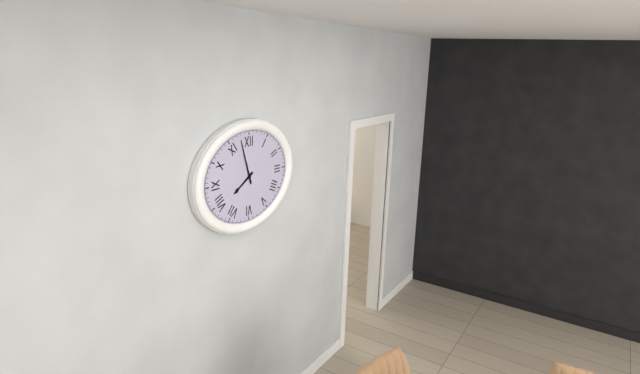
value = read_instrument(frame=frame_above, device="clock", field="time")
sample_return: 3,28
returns 7,57
